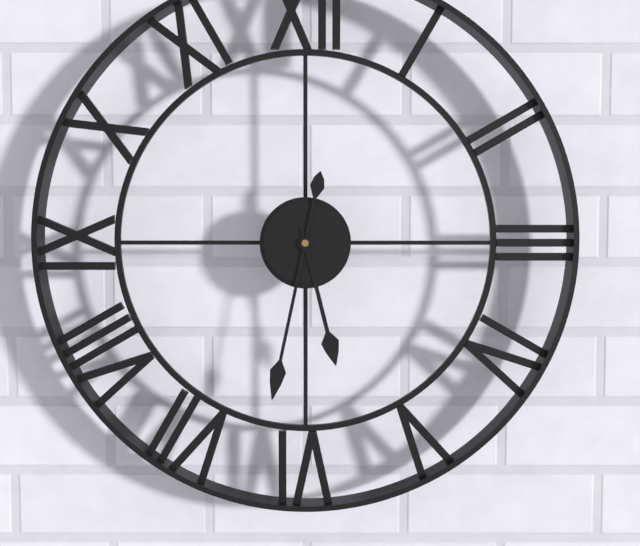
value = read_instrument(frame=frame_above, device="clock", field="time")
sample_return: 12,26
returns 5,32
